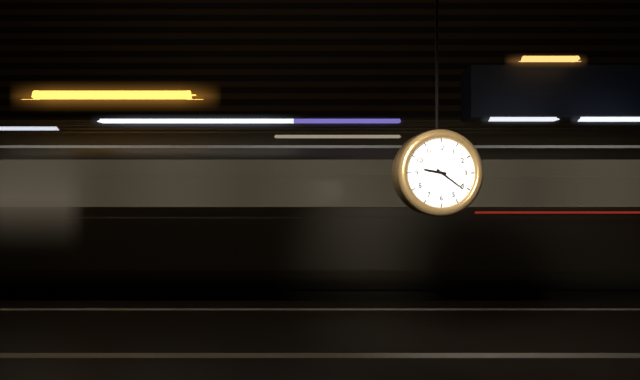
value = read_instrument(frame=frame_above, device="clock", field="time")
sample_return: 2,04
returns 9,21
